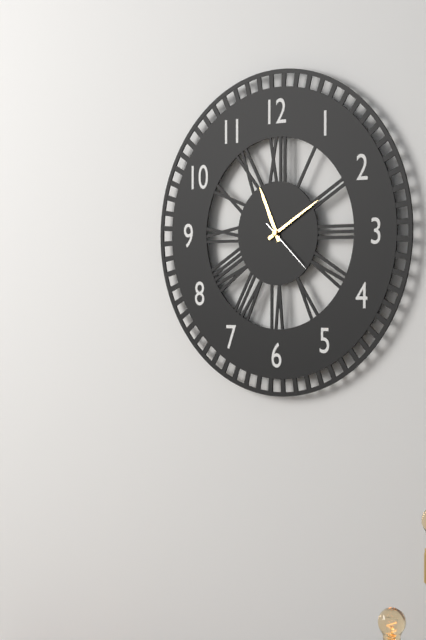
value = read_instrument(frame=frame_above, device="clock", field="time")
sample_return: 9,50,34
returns 11,10,22
